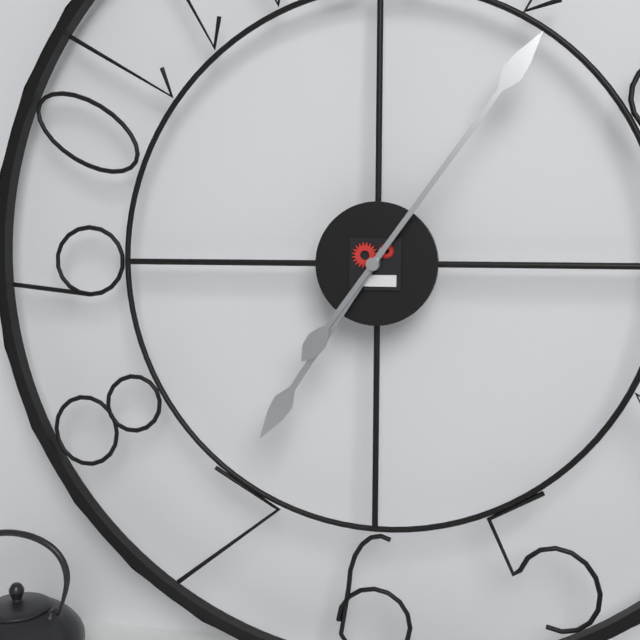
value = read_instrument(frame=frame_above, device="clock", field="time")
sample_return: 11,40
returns 7,06
